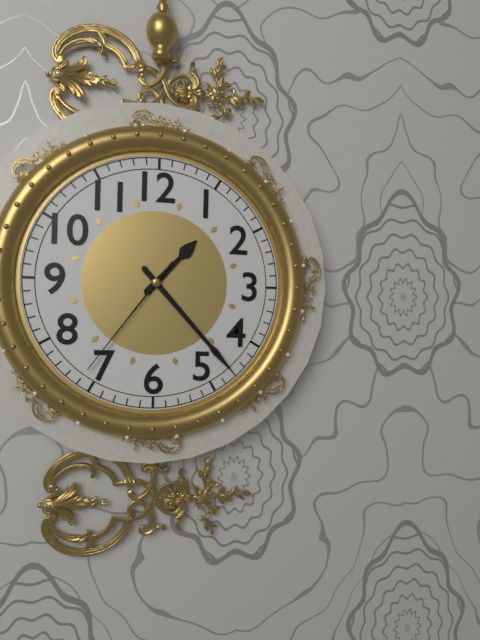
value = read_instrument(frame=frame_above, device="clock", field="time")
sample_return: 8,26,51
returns 1,23,36
